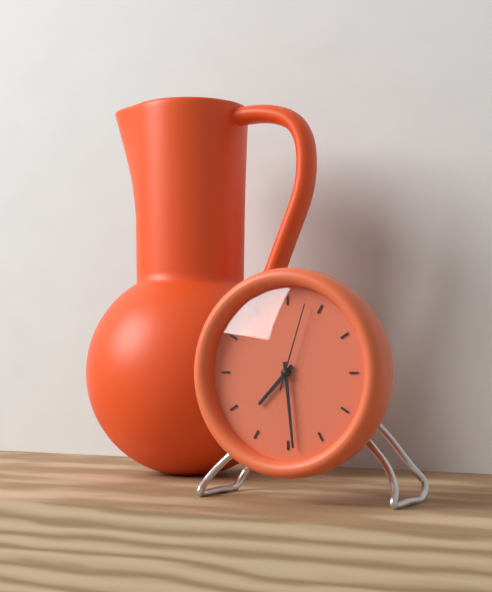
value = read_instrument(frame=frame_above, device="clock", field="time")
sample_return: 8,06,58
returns 7,29,03
